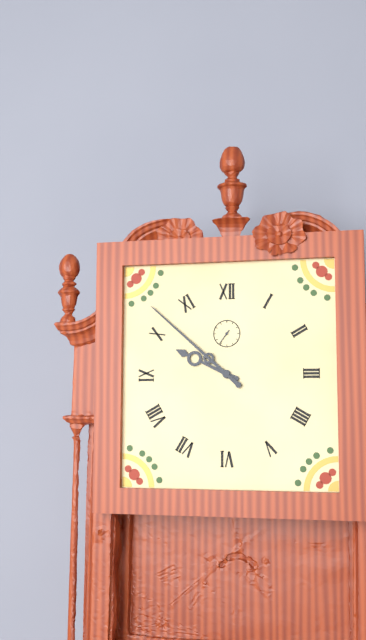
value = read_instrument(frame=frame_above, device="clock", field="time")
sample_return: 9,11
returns 9,52
